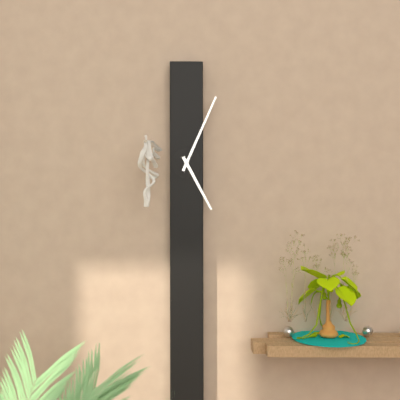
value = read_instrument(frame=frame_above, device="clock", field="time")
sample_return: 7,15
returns 5,04
